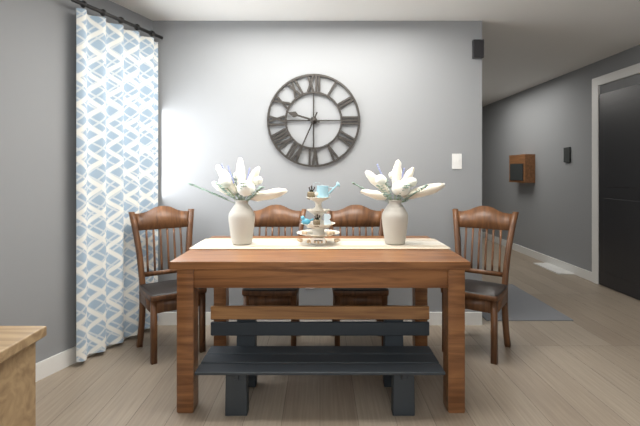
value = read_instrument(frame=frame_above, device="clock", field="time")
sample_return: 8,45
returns 9,34
